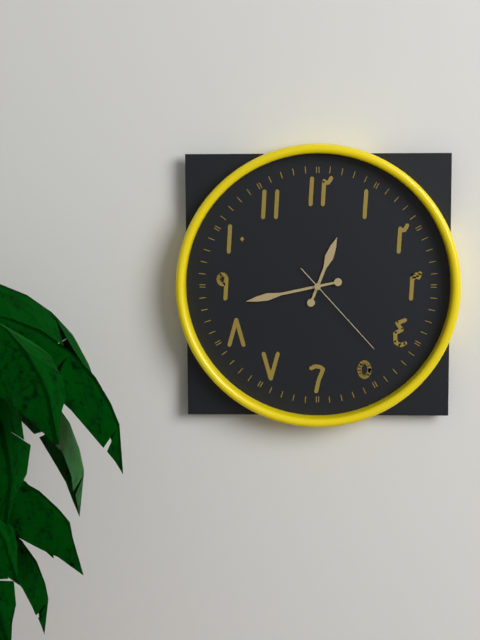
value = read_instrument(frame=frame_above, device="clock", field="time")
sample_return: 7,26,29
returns 12,43,23
